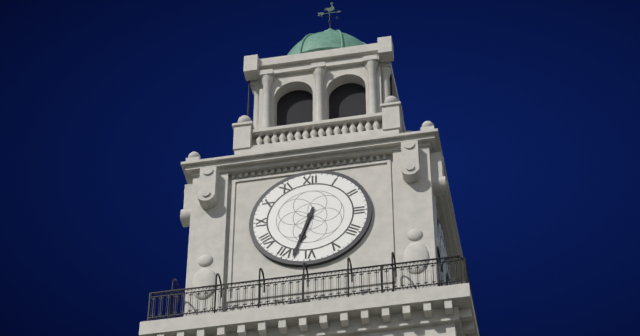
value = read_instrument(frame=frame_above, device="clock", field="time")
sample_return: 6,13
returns 6,33
